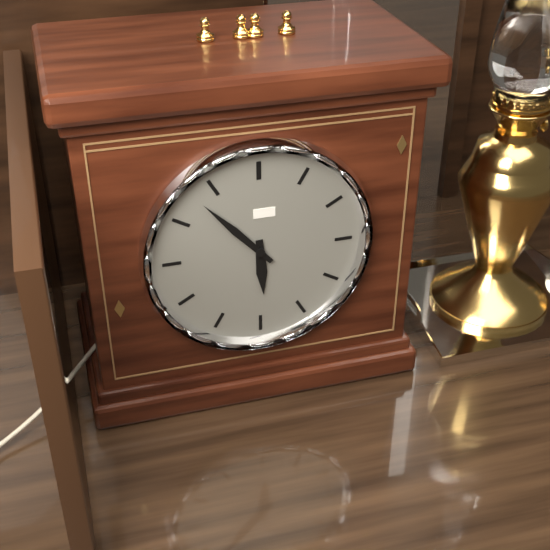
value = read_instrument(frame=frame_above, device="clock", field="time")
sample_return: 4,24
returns 5,53
